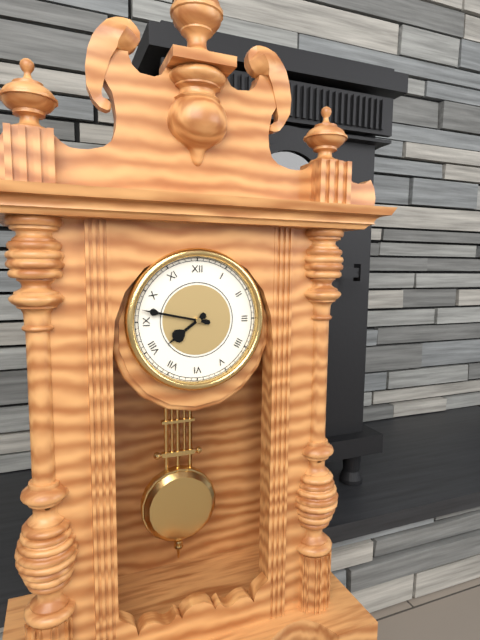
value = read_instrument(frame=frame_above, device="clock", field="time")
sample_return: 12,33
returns 7,47
